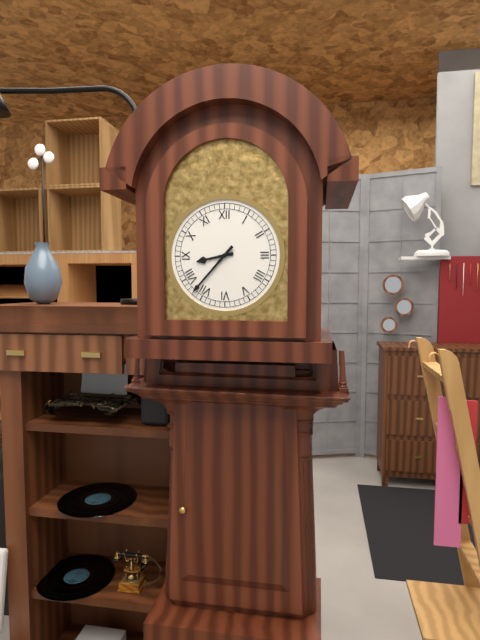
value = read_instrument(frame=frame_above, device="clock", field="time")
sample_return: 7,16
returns 8,37
